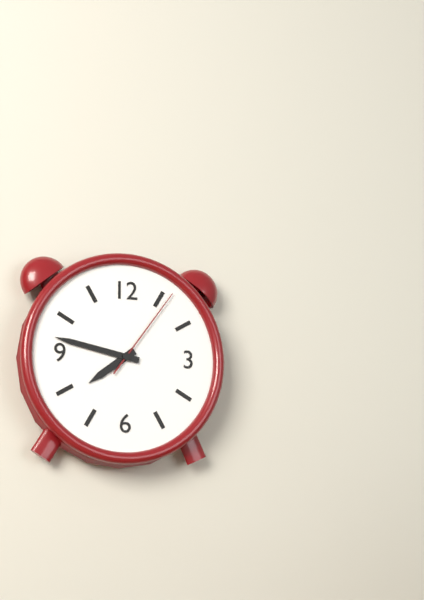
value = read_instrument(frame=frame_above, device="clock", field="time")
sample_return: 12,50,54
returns 7,47,06
